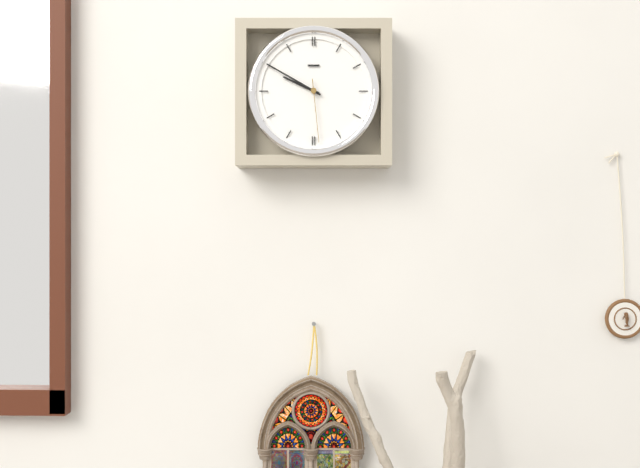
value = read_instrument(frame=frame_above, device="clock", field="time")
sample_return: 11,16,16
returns 9,50,29
